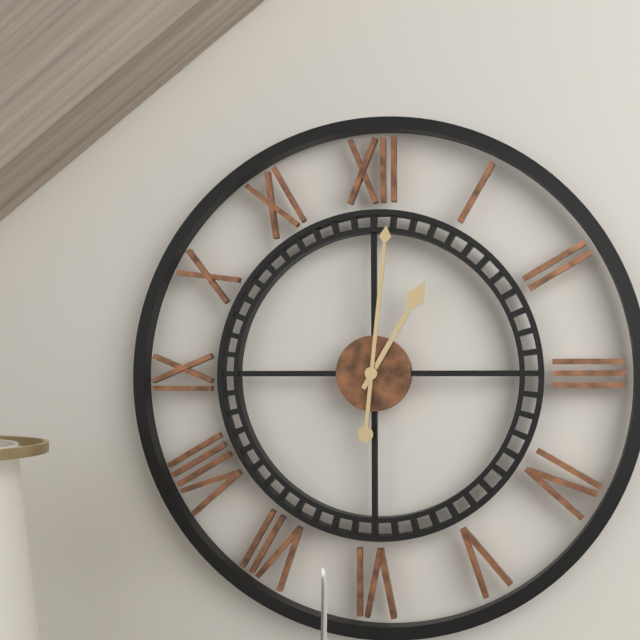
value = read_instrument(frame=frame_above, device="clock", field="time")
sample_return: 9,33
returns 1,01
